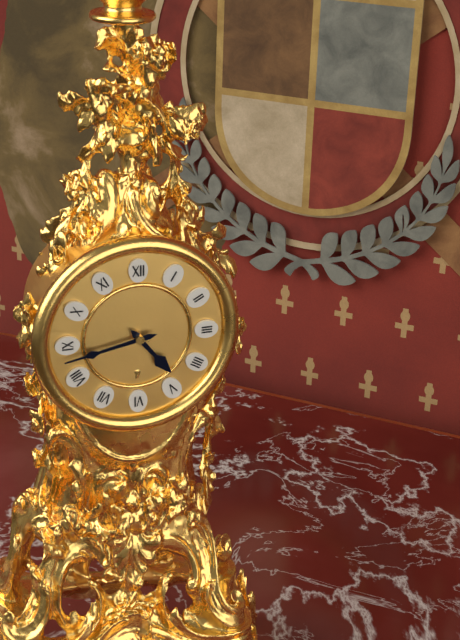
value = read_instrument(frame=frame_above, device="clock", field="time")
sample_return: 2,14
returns 4,43
